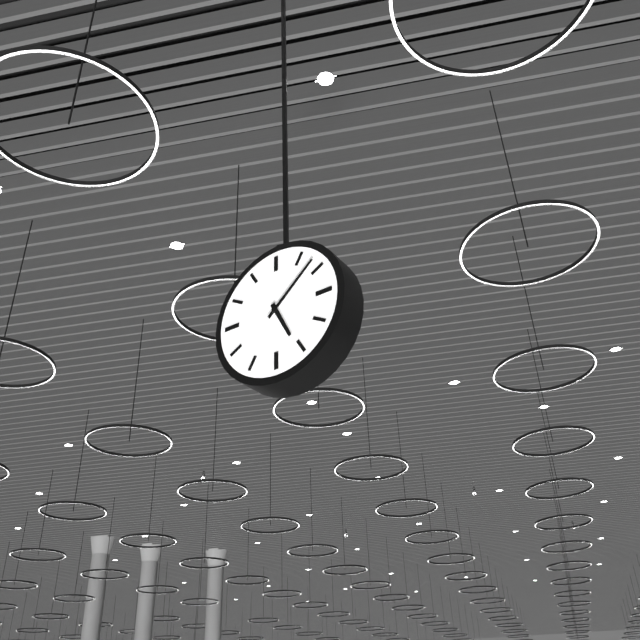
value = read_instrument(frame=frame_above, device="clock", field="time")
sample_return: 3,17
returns 5,08
